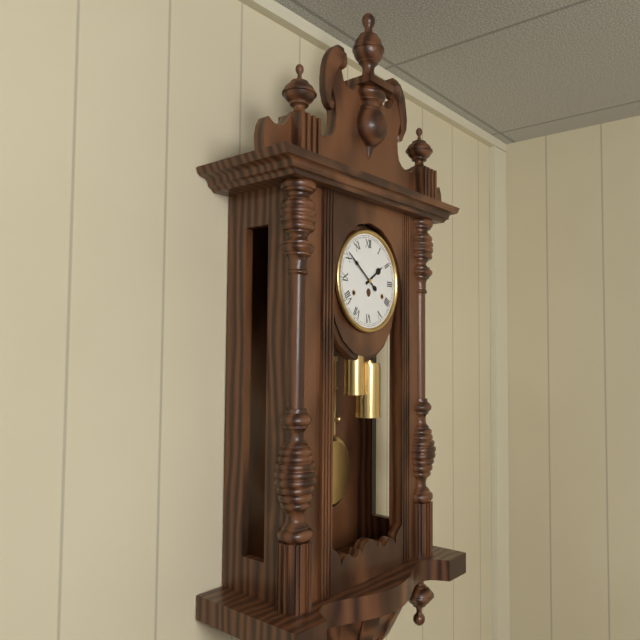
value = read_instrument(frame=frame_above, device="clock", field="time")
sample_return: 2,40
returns 1,51
